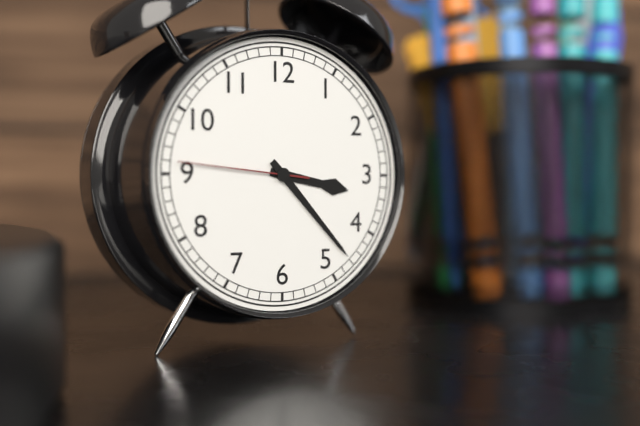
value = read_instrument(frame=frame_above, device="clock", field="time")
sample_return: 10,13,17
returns 3,23,46
